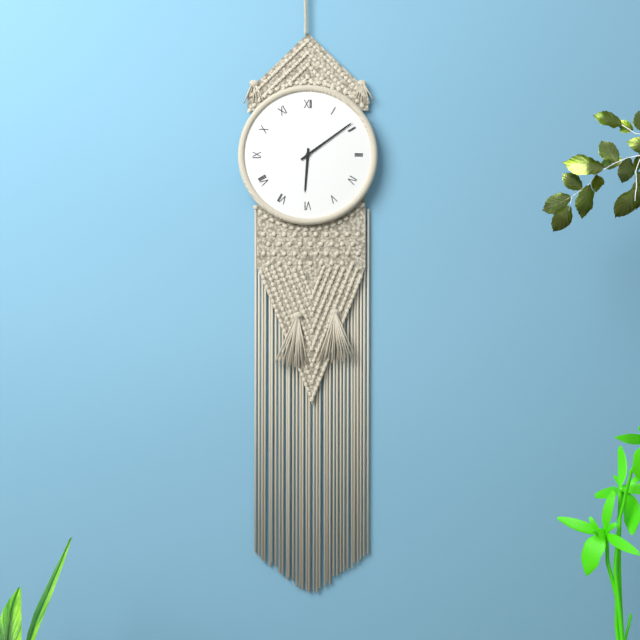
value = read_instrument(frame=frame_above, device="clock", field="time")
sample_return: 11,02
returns 6,09
